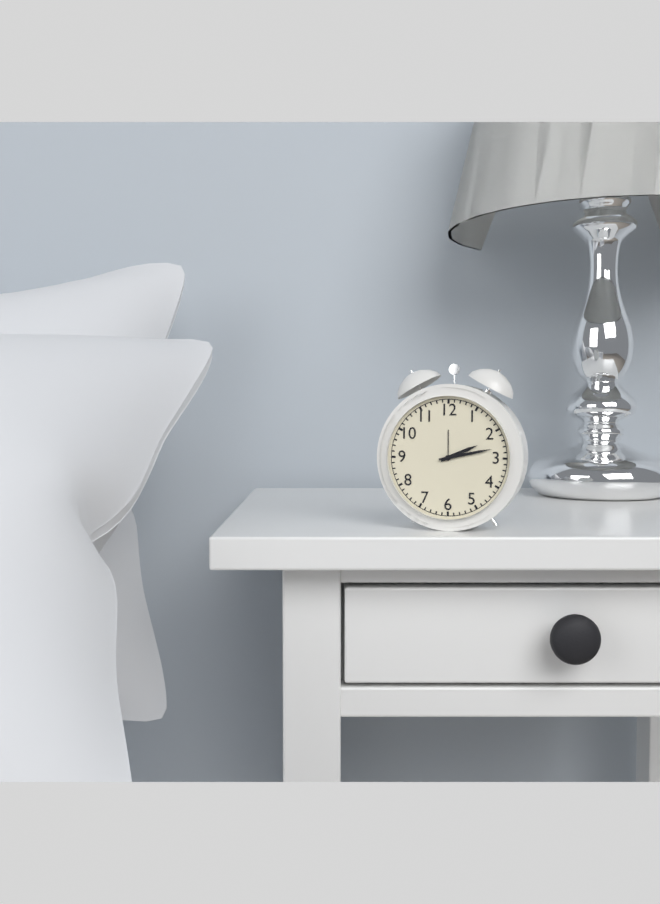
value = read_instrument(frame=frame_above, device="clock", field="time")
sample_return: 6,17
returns 2,13
